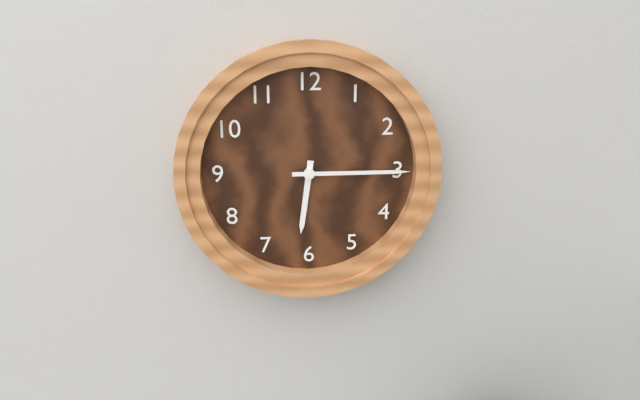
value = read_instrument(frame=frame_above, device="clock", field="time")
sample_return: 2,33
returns 6,15
